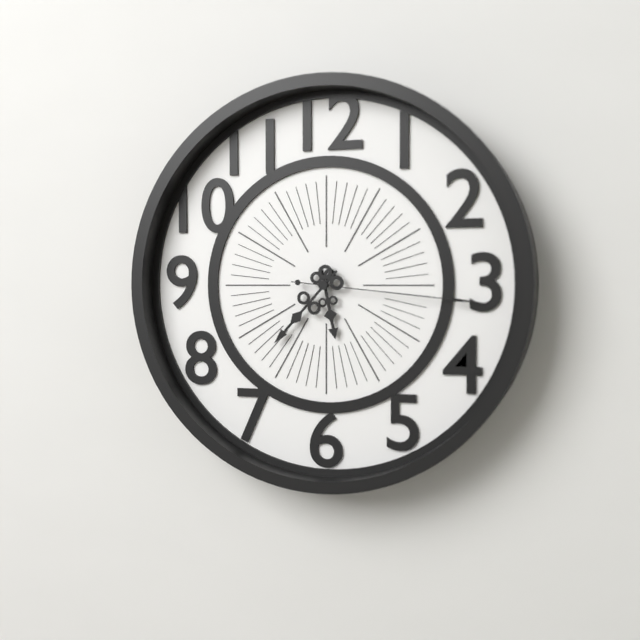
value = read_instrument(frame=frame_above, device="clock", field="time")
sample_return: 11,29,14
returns 5,37,16
